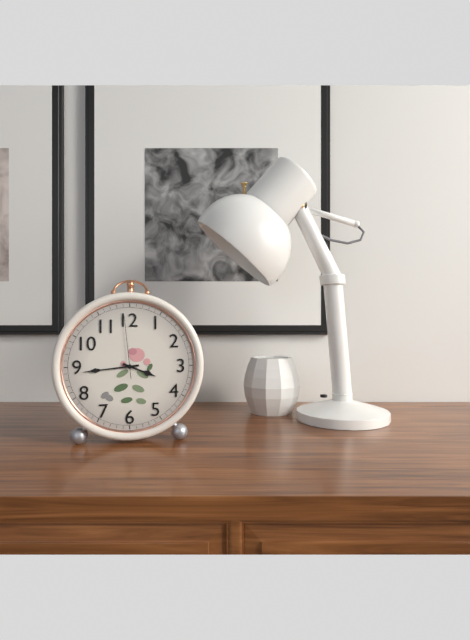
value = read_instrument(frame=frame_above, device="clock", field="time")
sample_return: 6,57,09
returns 3,44,59
